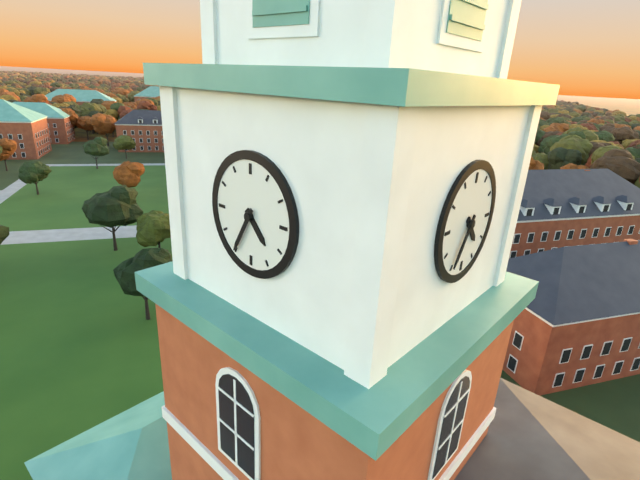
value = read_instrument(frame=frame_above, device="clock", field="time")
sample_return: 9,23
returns 4,35
